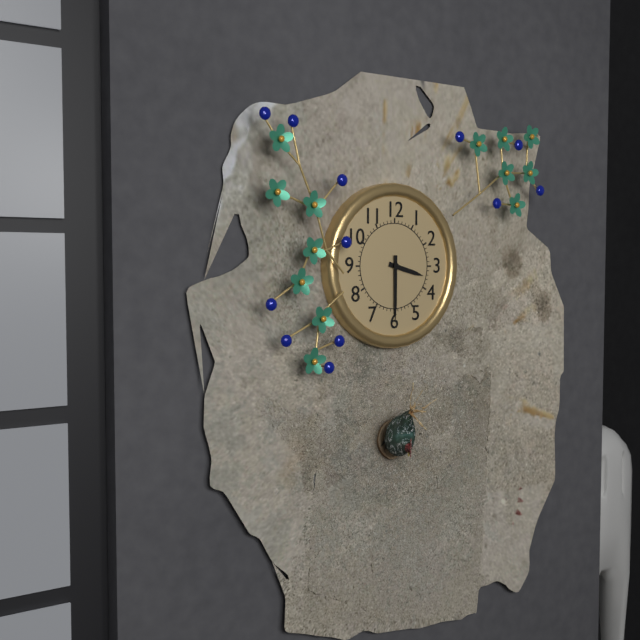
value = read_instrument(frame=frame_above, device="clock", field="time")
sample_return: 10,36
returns 3,30
